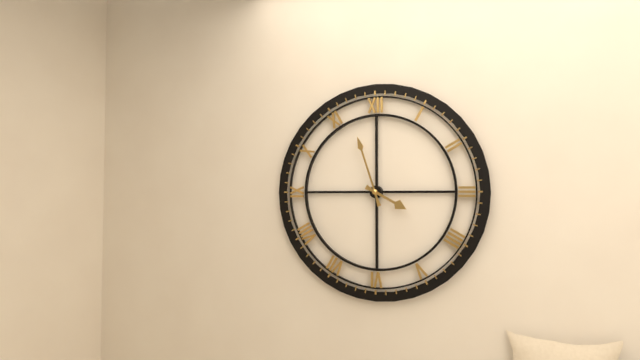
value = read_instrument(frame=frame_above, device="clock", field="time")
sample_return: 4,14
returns 3,57
